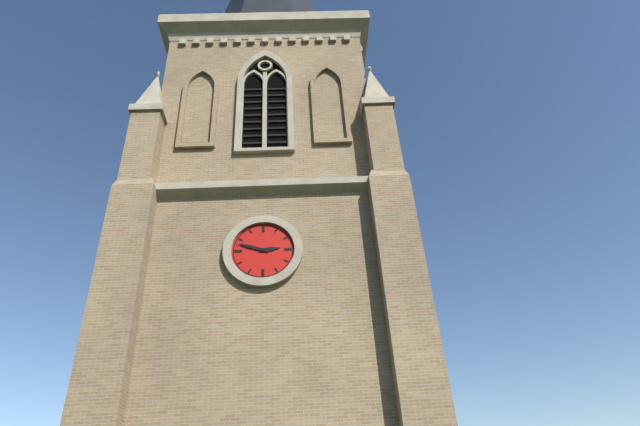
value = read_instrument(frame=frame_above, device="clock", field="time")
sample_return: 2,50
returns 2,48
